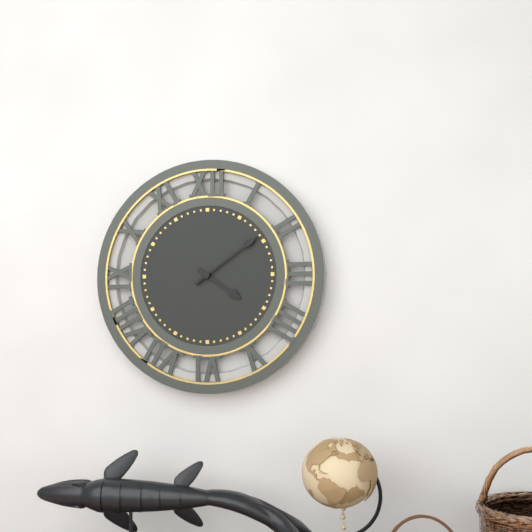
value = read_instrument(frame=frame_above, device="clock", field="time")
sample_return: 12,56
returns 4,09
